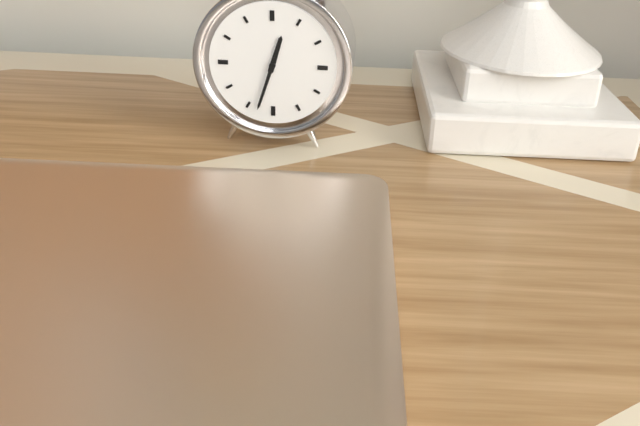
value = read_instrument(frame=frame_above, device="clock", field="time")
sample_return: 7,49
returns 12,33
